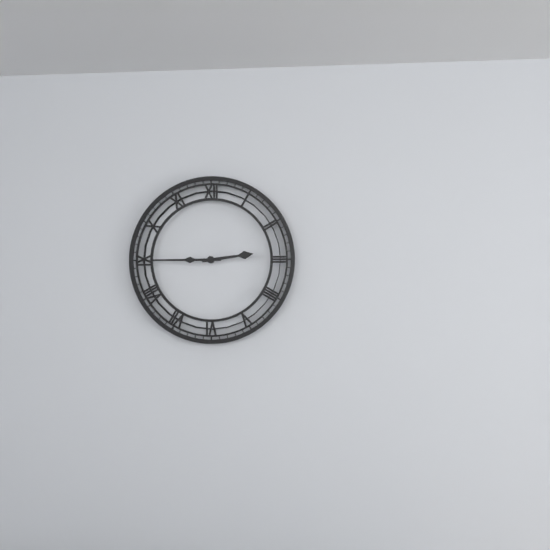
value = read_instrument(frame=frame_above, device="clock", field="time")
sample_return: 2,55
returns 2,45
